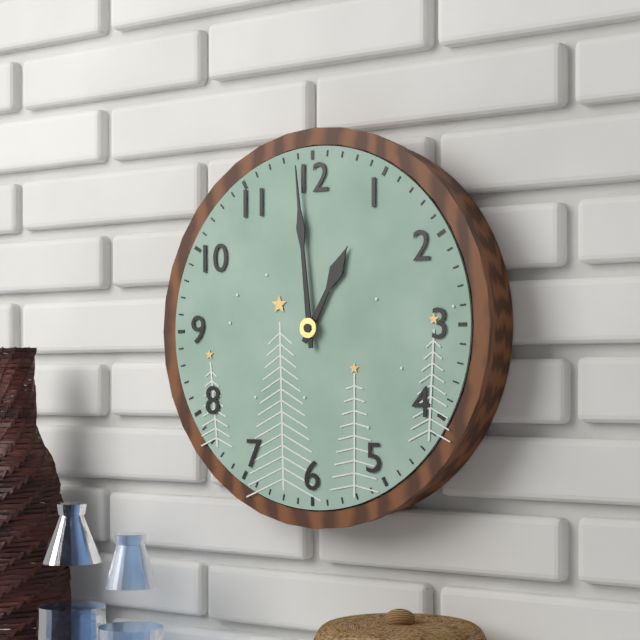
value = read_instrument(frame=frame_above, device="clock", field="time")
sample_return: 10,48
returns 12,59
